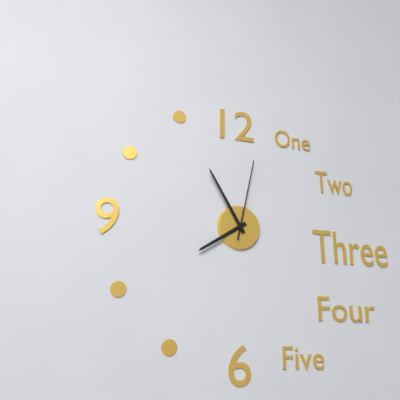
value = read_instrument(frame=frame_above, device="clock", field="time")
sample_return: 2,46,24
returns 7,55,02
